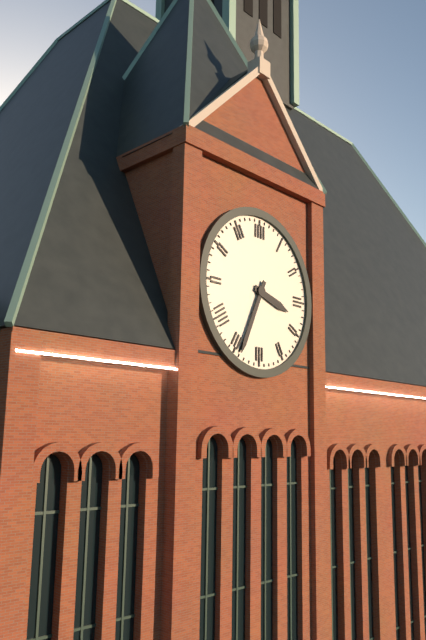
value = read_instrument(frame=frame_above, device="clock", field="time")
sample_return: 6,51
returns 3,34
